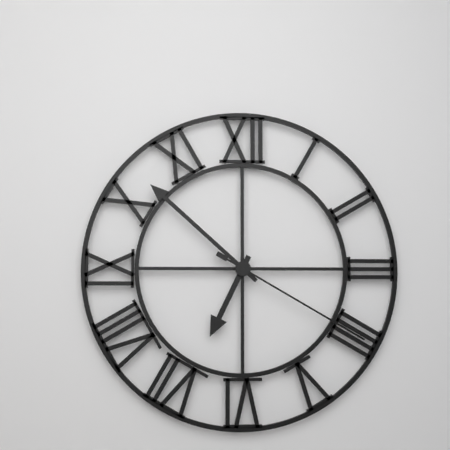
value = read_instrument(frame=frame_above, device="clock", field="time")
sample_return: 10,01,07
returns 6,52,20
